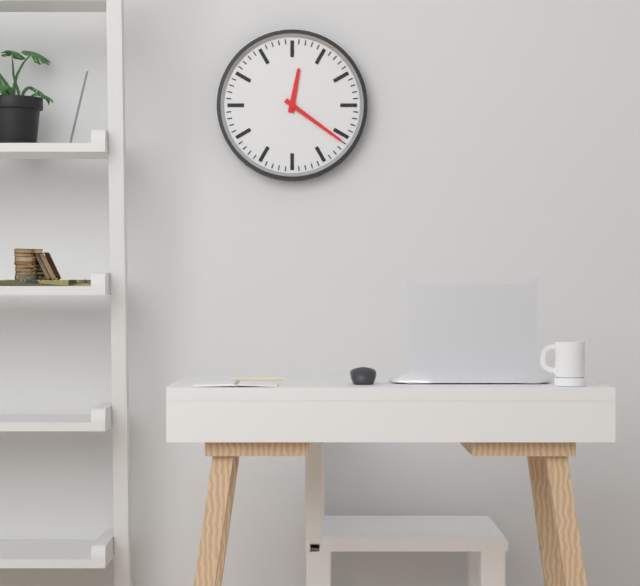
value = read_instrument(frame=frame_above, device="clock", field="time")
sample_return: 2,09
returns 12,21
